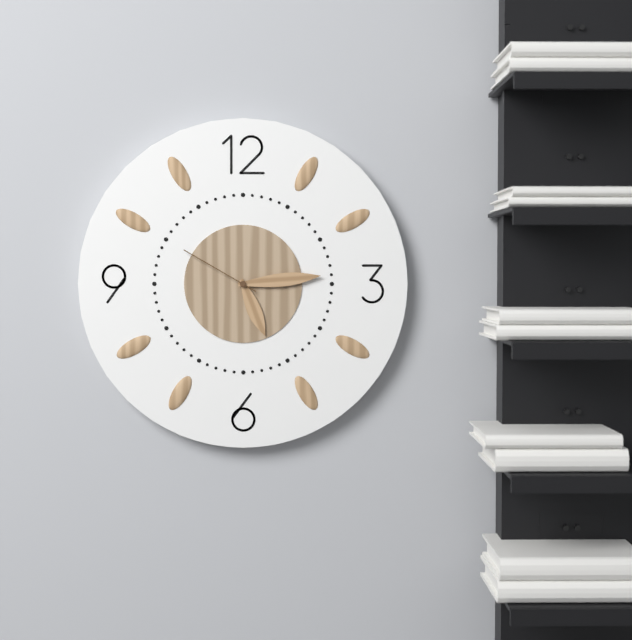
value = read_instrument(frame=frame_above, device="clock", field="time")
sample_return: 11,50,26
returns 5,14,50
